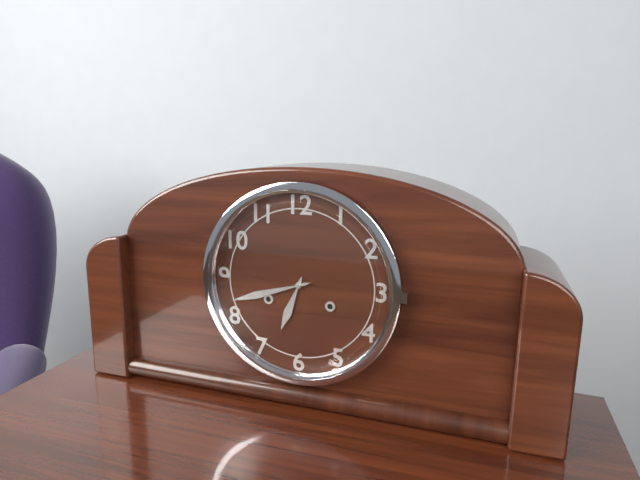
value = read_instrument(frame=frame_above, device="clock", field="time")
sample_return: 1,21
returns 6,42
